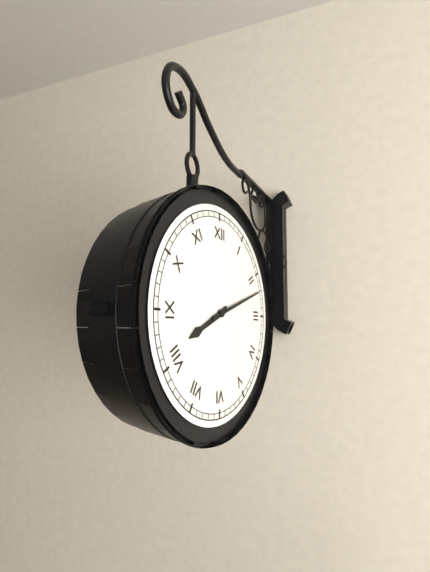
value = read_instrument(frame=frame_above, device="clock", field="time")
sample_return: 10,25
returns 8,12
